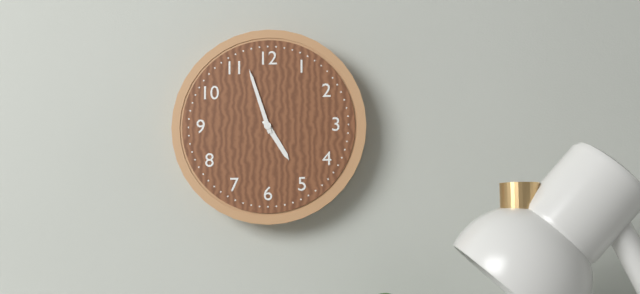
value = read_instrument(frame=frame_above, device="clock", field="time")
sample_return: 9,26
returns 4,57
